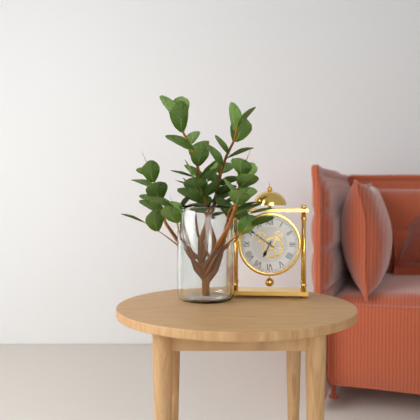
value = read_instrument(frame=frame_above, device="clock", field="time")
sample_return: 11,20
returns 6,51
